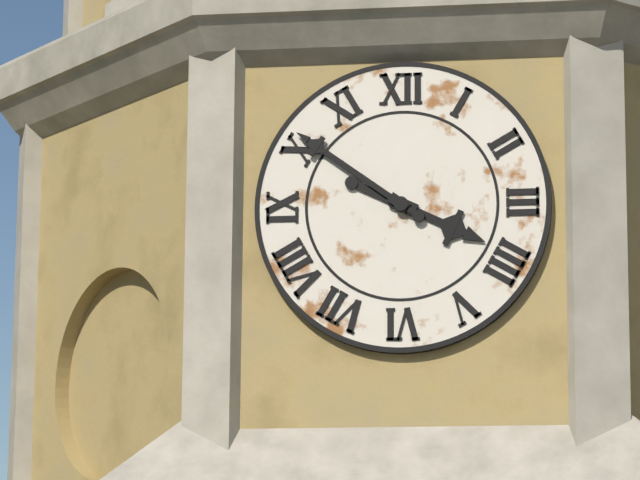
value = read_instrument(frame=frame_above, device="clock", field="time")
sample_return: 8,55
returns 3,51
